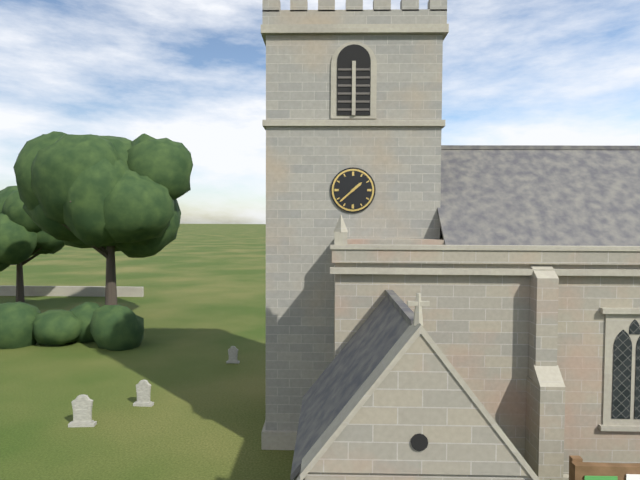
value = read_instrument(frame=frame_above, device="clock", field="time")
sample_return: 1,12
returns 1,38
